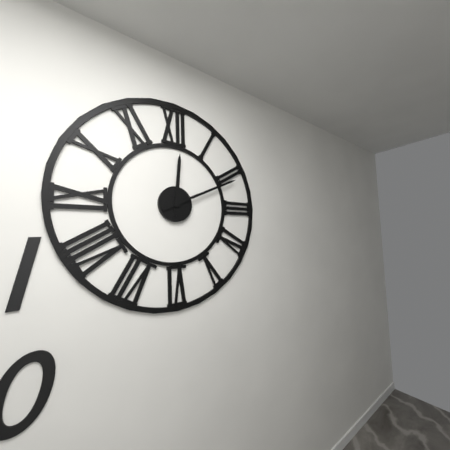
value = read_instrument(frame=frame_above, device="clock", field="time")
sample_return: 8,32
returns 12,11
